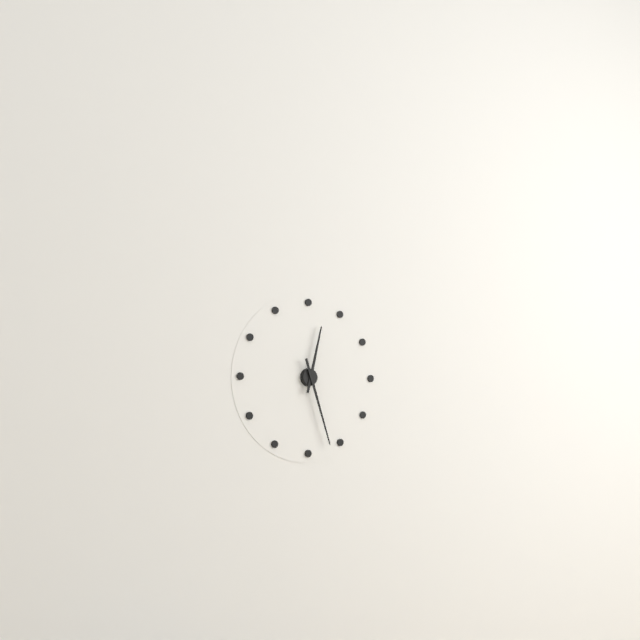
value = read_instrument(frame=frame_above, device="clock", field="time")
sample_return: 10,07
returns 12,27
